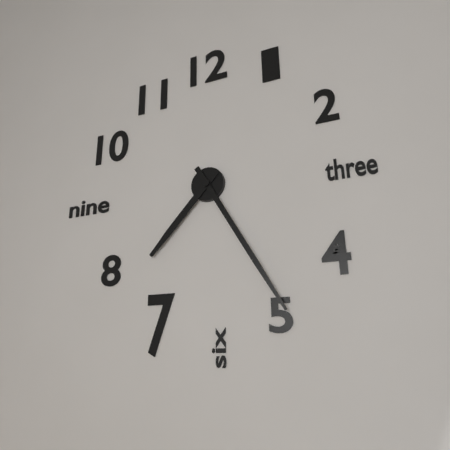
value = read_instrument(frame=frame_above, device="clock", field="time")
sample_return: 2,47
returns 7,25
